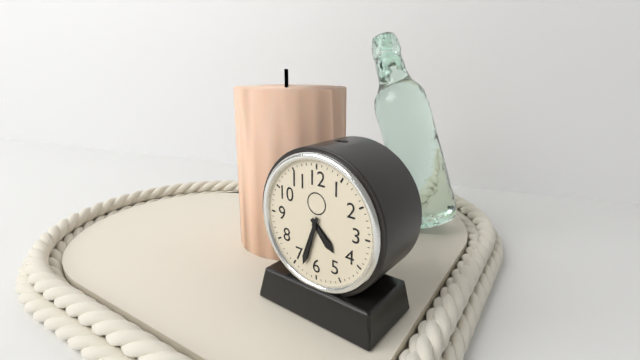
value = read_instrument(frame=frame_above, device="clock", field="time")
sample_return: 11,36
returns 4,33
